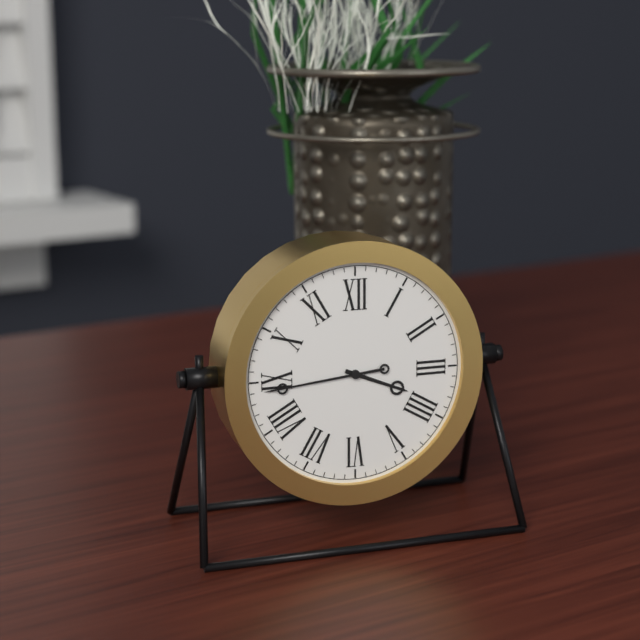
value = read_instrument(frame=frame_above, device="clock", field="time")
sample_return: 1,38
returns 3,44
